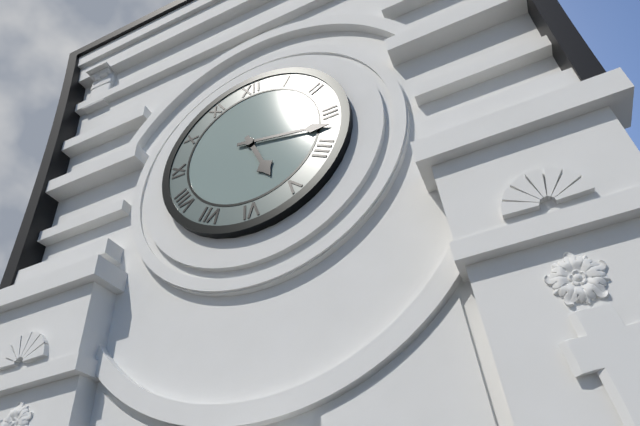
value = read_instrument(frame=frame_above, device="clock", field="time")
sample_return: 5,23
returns 5,17
